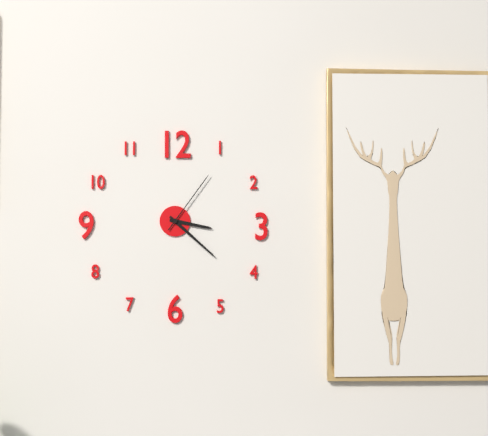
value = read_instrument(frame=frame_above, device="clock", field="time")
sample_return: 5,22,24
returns 3,22,06
